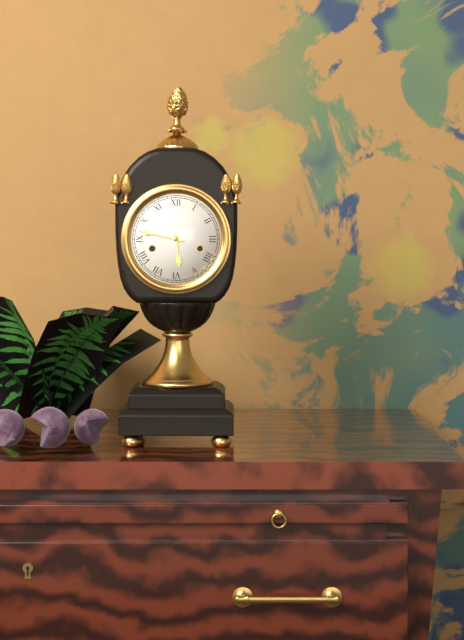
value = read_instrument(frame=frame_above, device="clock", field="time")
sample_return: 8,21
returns 5,47
